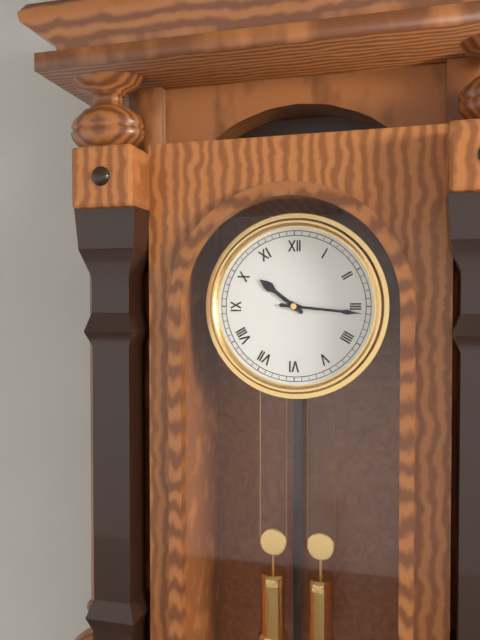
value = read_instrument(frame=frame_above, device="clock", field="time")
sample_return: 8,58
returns 10,16
